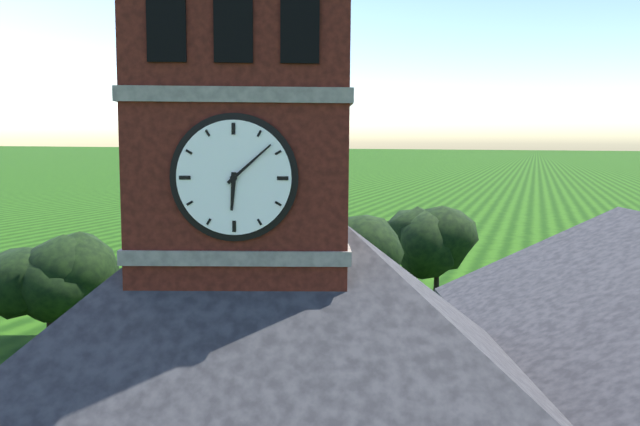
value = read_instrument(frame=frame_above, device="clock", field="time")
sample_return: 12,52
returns 6,08
